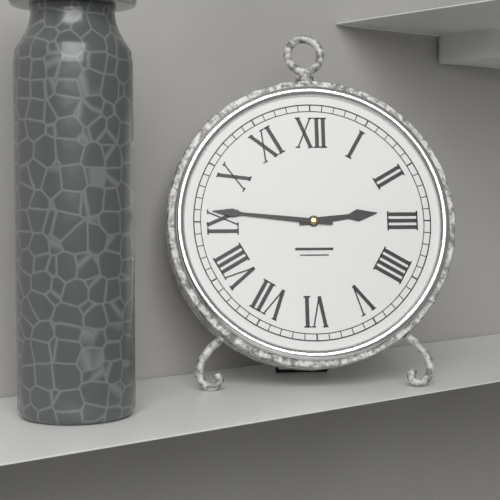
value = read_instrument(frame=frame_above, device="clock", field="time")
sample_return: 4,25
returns 2,46
